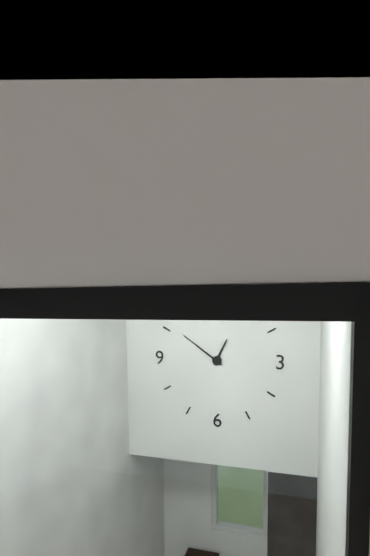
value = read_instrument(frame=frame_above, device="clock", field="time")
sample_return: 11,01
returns 12,51
